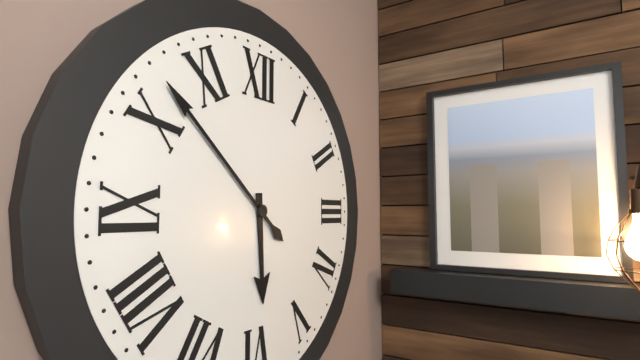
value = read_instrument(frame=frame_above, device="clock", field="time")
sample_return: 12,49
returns 5,52
